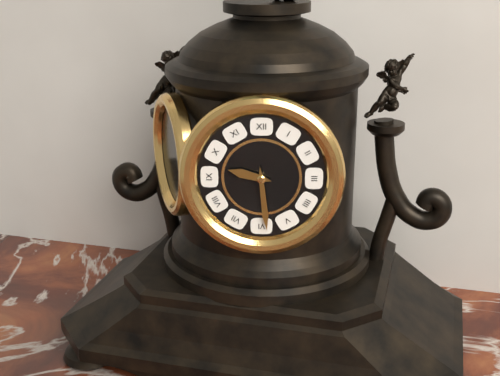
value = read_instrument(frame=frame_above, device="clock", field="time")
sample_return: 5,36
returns 9,29
